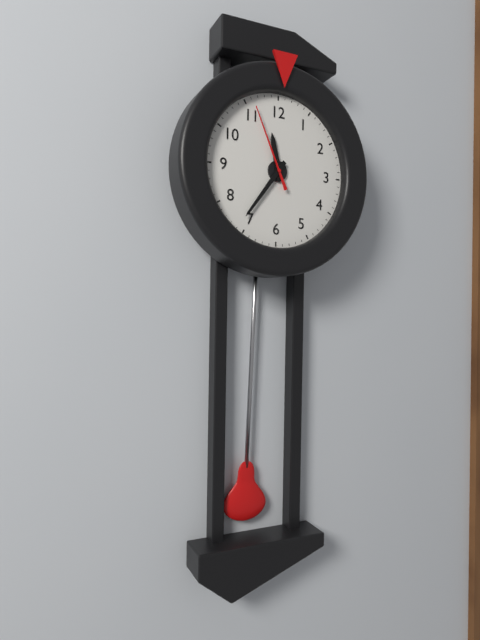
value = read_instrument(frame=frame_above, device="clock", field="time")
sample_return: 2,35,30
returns 11,36,56
